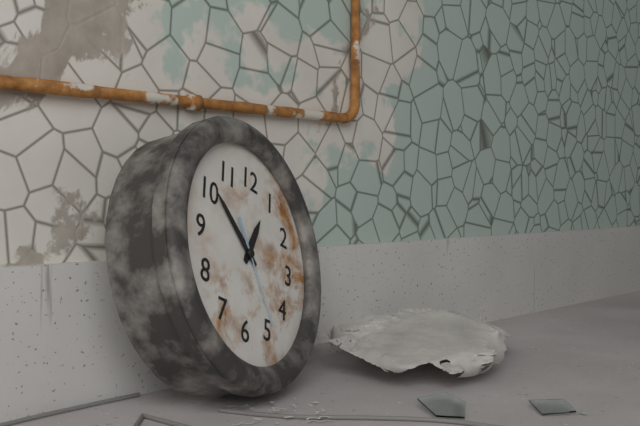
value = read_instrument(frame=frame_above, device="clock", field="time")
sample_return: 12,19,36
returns 12,51,24
